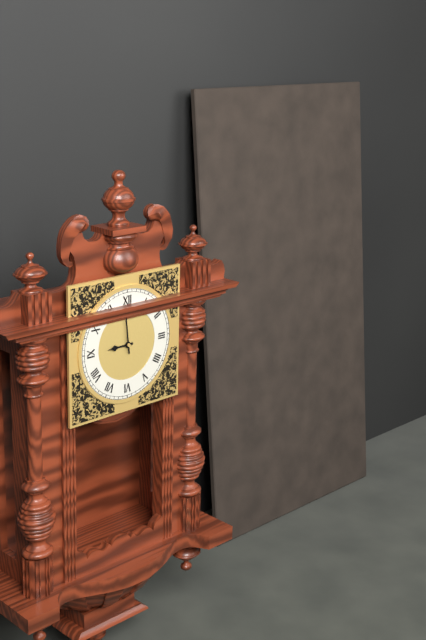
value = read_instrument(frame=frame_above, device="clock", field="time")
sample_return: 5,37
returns 8,59
